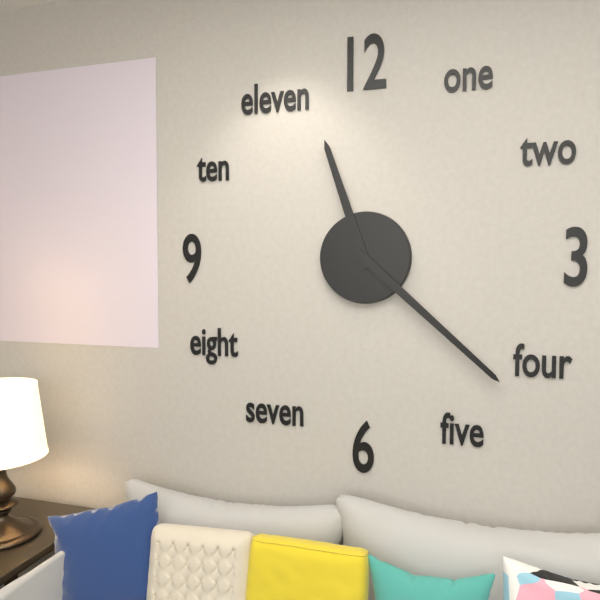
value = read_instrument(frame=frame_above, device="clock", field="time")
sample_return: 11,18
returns 11,22
